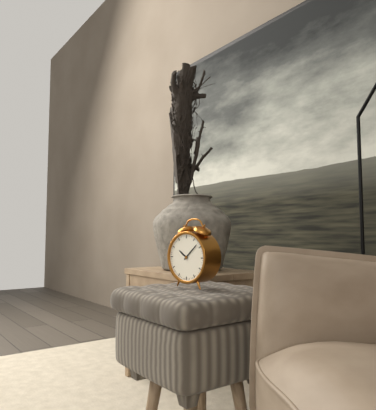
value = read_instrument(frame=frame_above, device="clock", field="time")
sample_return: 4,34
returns 10,08
